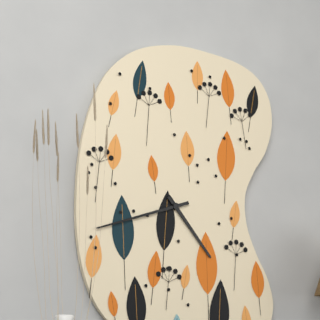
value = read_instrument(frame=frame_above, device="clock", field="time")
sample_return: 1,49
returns 4,42
